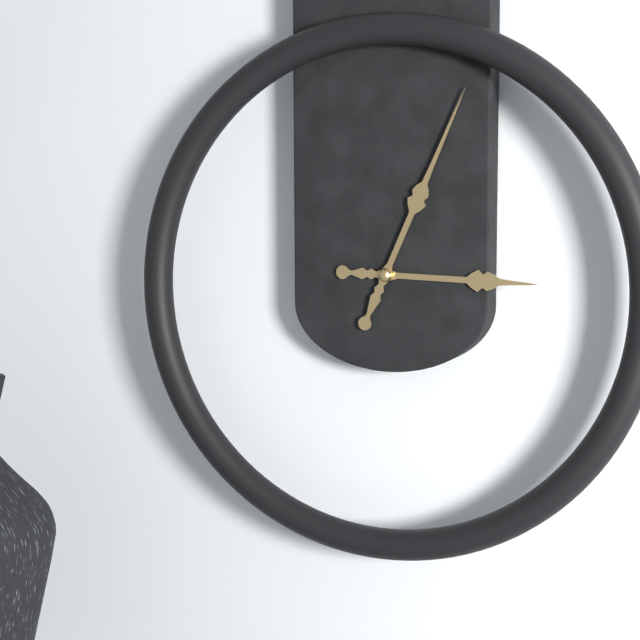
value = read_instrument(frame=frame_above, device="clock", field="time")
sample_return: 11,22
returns 3,04
